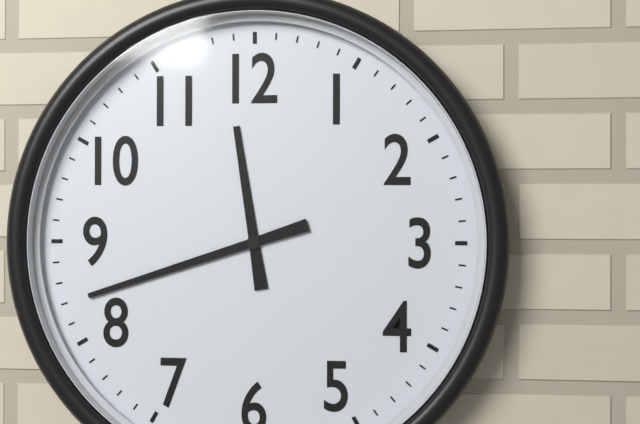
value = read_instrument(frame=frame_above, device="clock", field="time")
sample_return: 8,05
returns 11,42
